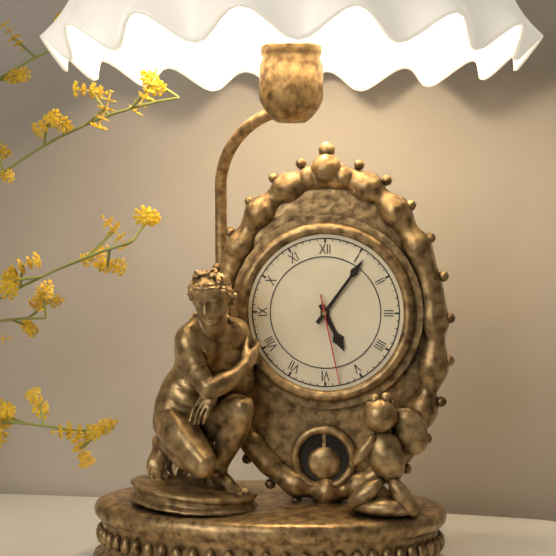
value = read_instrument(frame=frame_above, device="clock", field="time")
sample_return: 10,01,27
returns 5,06,28
